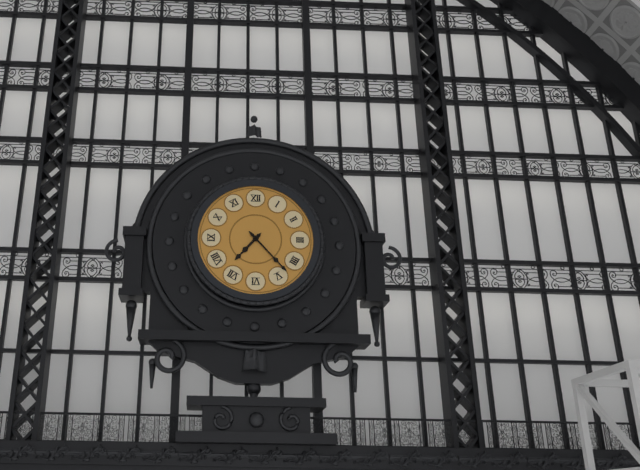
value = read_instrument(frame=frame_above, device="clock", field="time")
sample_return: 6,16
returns 7,23
